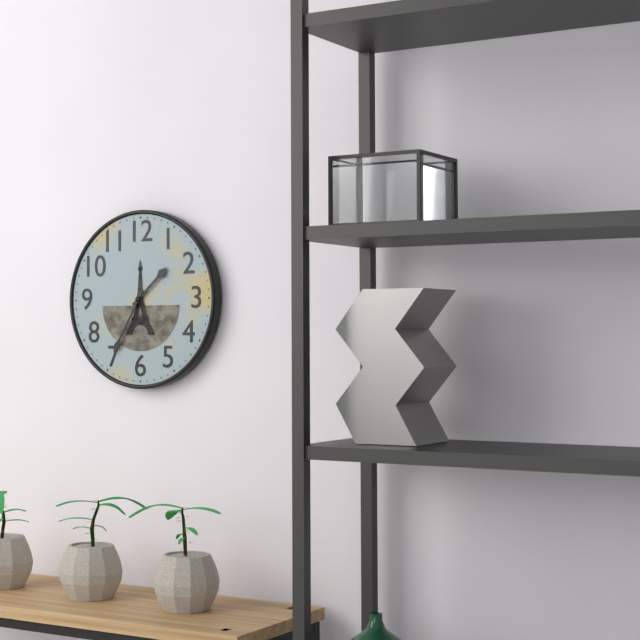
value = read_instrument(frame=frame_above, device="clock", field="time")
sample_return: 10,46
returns 1,35
